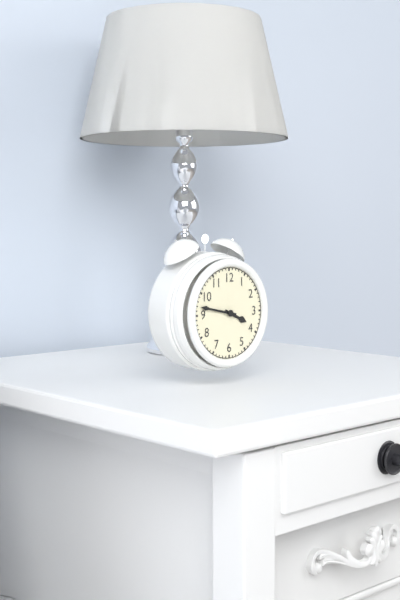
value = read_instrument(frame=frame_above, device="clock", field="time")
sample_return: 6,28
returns 3,47
